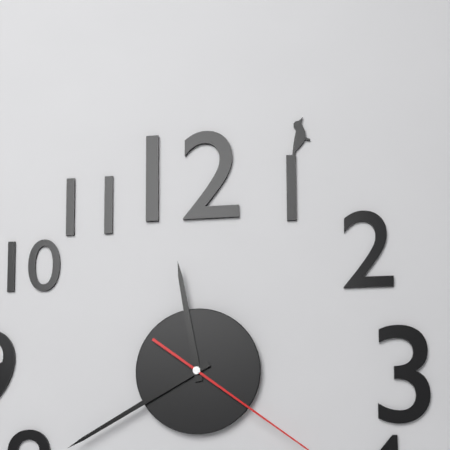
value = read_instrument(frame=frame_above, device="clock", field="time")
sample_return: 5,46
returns 11,40
